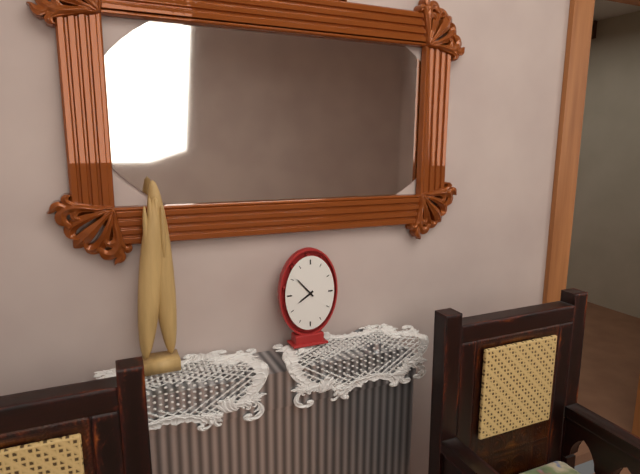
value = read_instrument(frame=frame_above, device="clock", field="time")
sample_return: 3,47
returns 7,53
